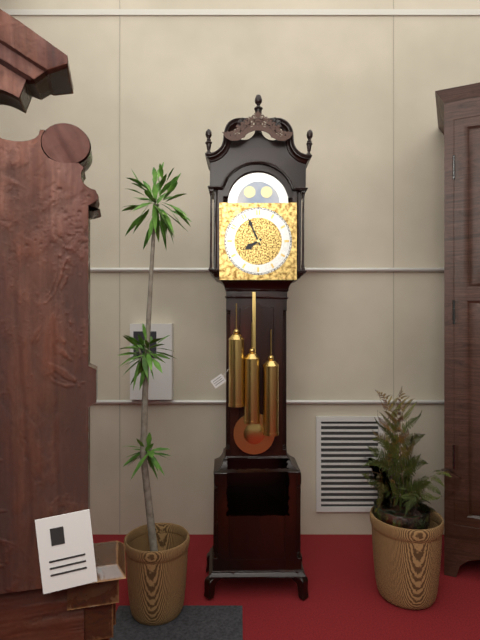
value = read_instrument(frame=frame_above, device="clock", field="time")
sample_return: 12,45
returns 7,56
